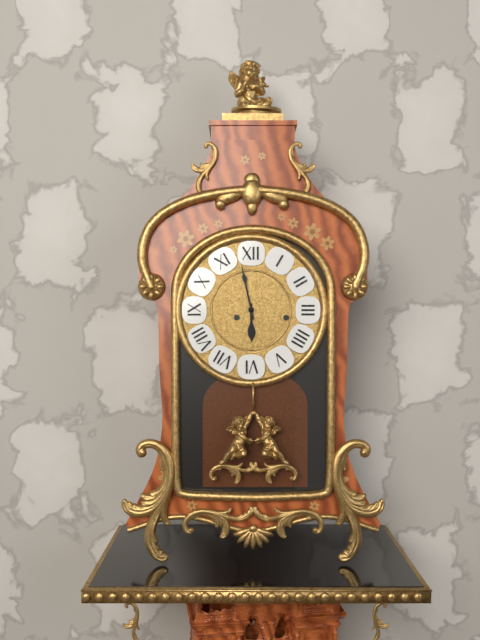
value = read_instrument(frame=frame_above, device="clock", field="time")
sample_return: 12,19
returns 5,58
